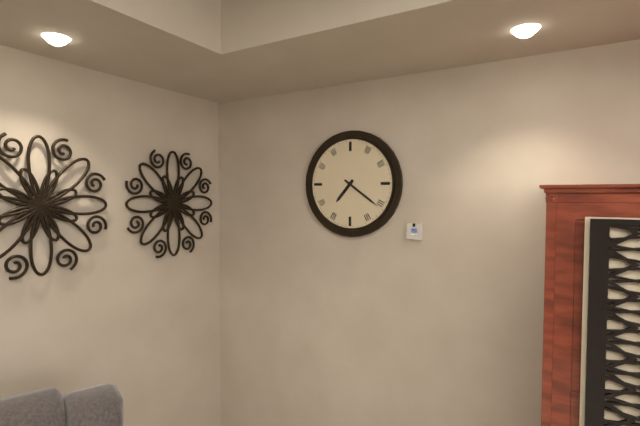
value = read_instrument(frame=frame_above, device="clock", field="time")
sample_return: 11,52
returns 7,21
